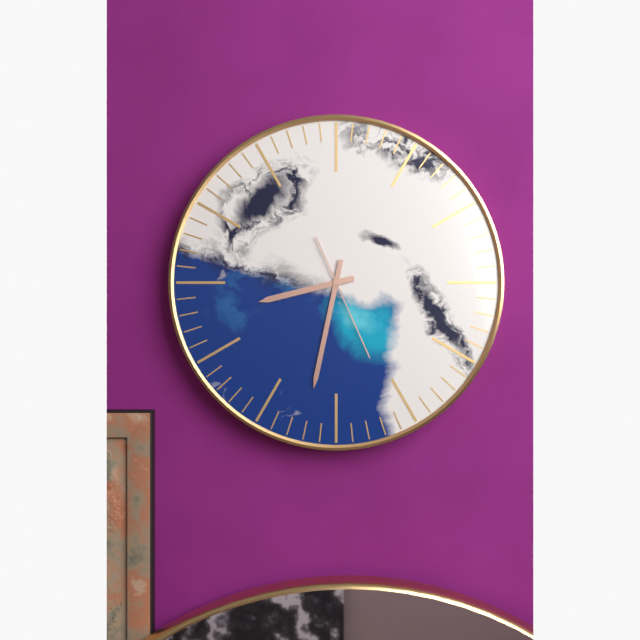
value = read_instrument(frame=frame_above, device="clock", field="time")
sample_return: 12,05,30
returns 8,32,26
